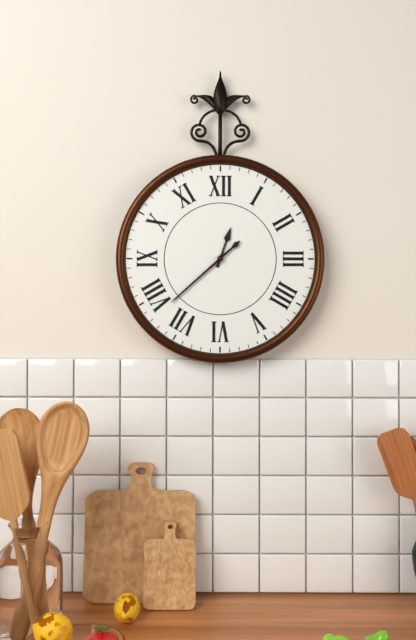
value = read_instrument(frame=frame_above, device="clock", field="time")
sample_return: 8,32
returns 12,38
